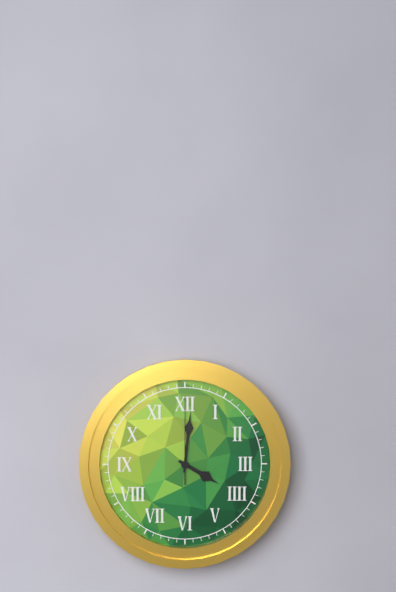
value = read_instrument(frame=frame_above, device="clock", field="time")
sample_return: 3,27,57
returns 4,01,00
